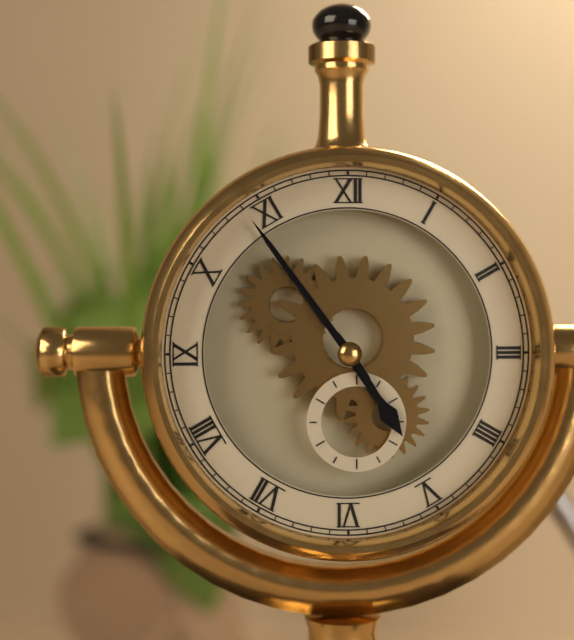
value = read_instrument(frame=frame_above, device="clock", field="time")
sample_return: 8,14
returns 4,54
